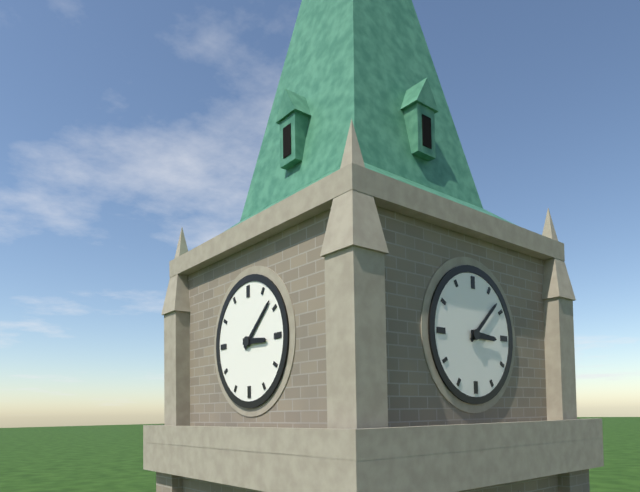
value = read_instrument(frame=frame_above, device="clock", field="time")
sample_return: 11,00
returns 3,08
